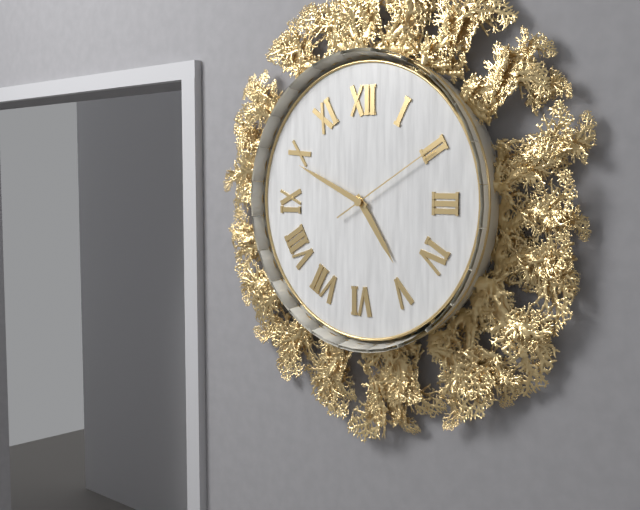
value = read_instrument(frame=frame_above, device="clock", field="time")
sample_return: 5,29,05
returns 4,49,10
